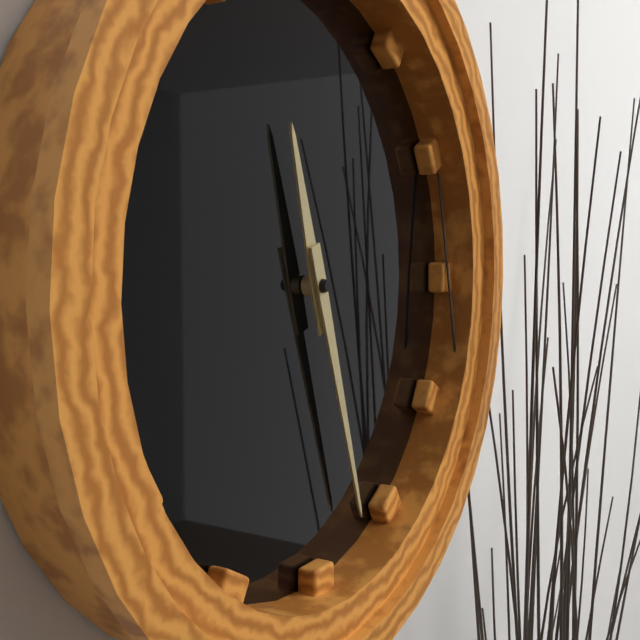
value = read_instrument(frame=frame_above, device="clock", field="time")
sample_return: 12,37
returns 11,27
